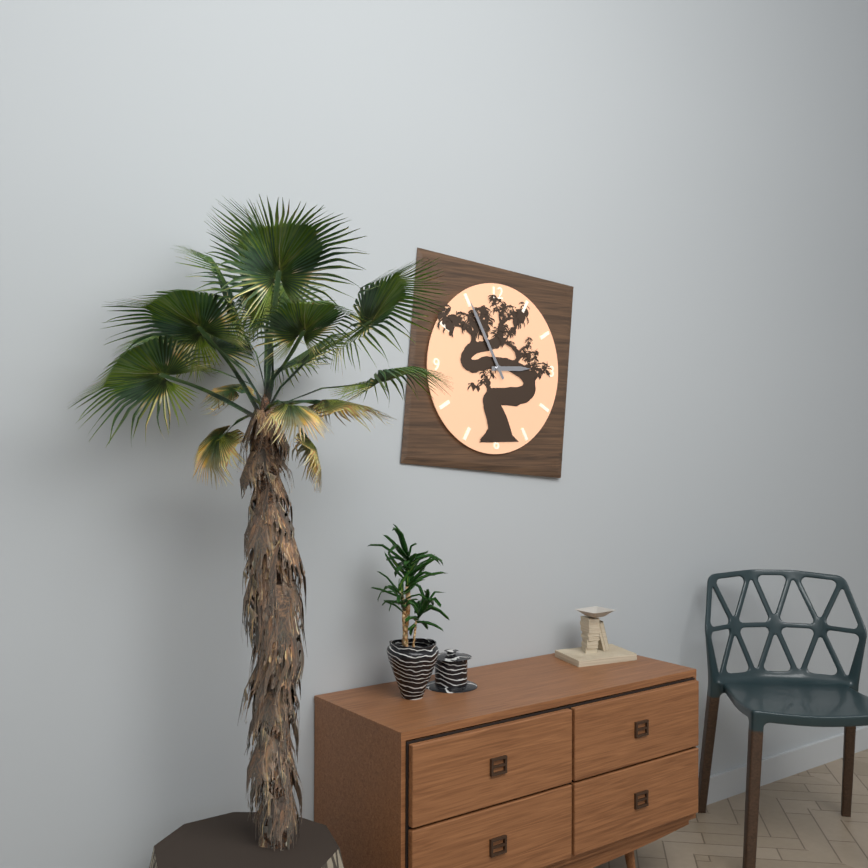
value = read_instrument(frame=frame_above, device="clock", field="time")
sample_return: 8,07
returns 2,55
